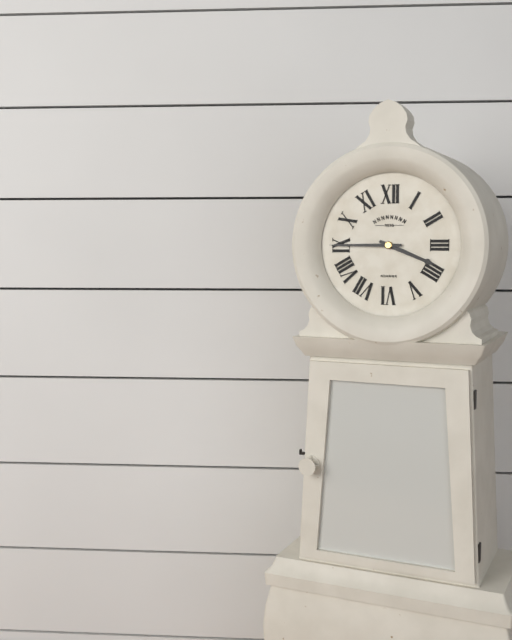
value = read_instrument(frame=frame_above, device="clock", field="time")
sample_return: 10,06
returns 3,45
